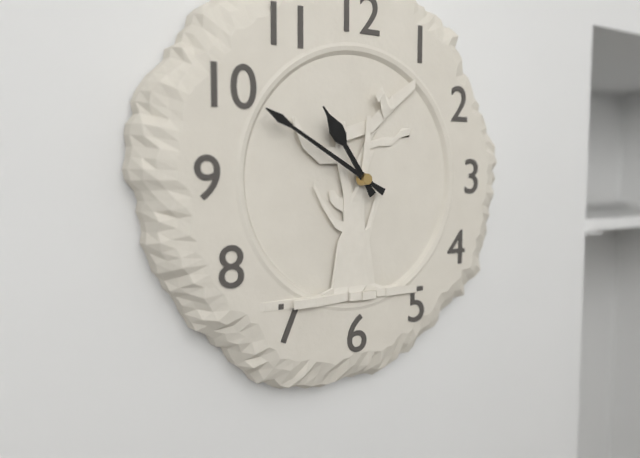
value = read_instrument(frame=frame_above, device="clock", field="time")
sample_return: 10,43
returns 10,50
